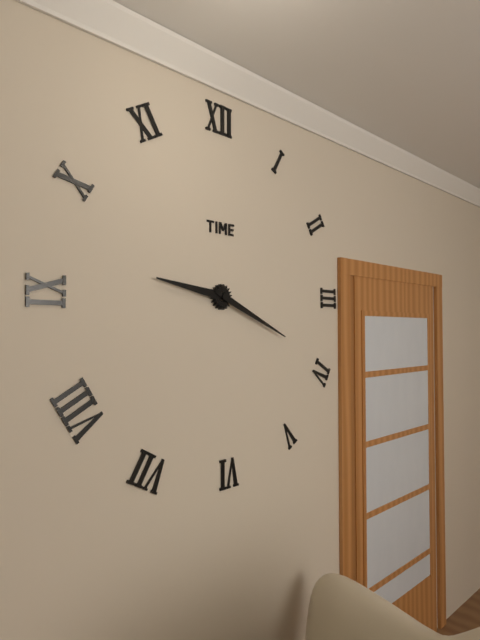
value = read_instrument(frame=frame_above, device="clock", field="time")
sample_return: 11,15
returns 9,19
